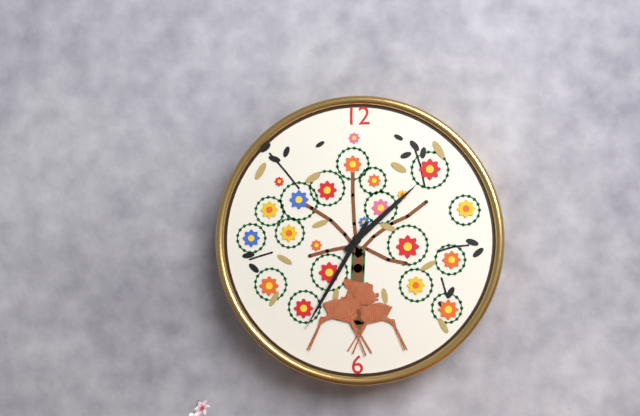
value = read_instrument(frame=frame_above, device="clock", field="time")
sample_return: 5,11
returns 1,35
